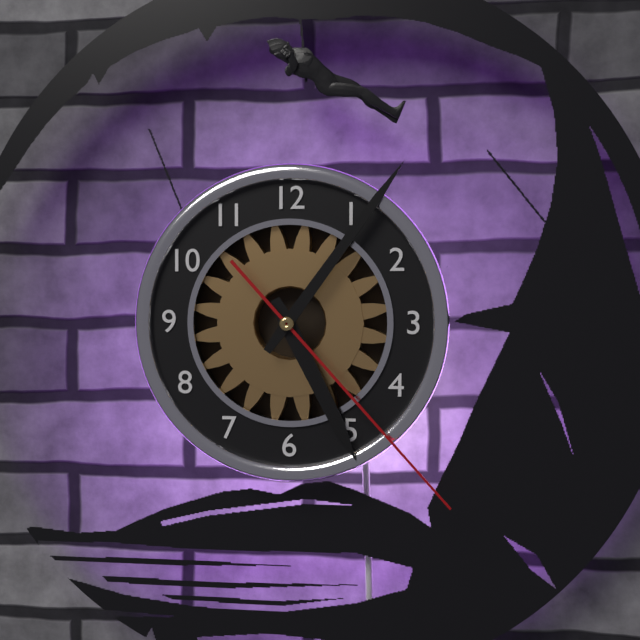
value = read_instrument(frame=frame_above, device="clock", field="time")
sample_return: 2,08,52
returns 5,06,23
